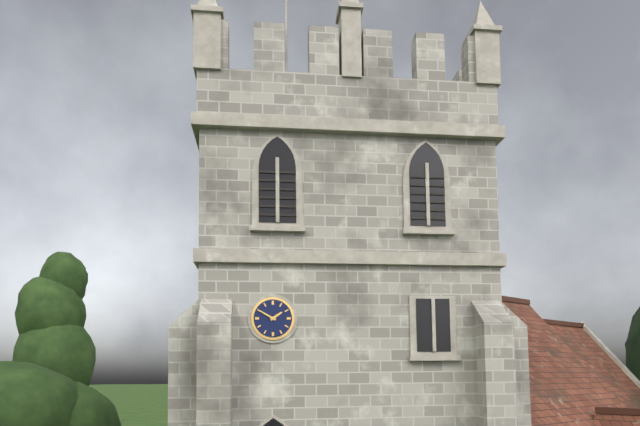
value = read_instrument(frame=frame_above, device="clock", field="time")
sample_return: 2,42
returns 1,50
